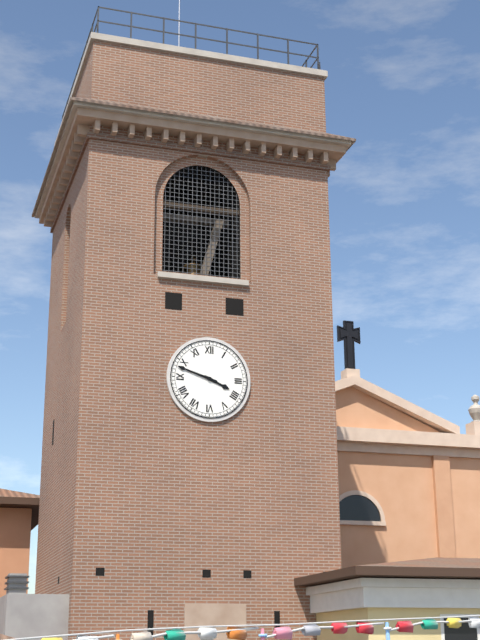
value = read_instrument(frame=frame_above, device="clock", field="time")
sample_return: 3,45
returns 3,48
